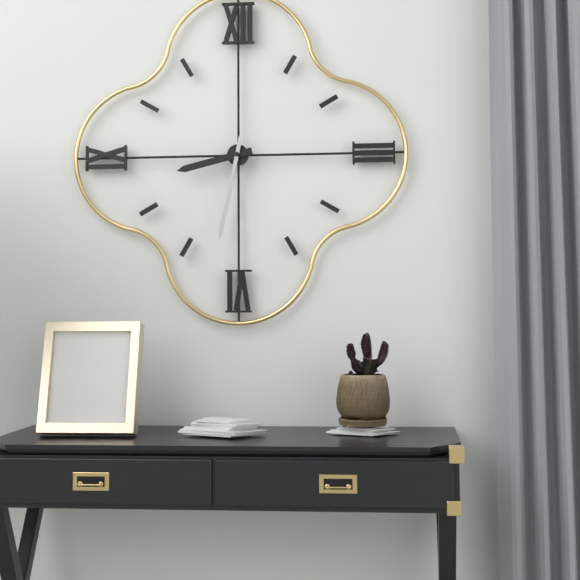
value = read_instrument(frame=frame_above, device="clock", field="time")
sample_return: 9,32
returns 8,32
